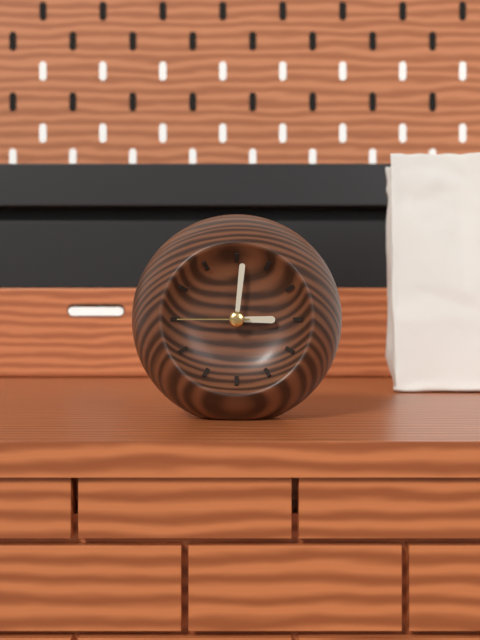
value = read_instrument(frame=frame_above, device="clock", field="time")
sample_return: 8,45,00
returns 3,01,45
